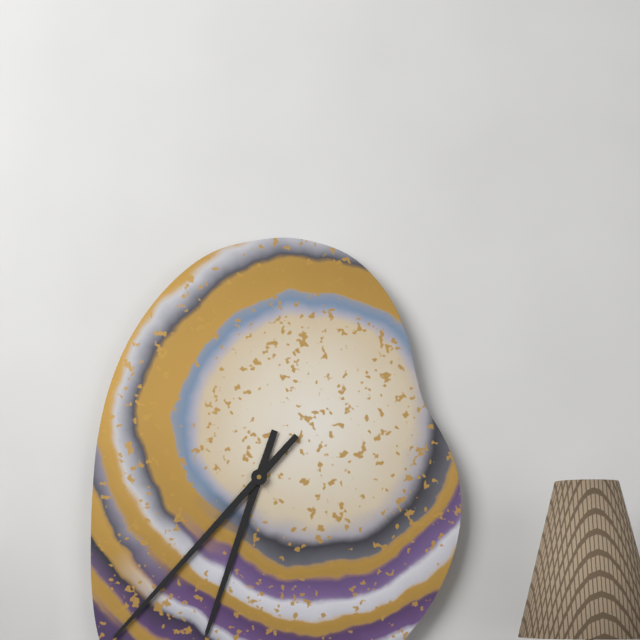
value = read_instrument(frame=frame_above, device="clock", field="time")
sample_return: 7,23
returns 6,37
